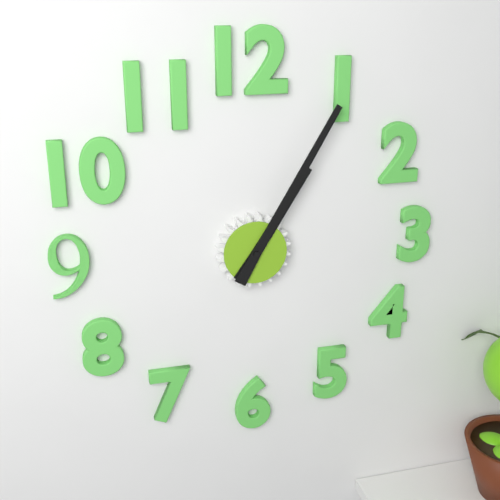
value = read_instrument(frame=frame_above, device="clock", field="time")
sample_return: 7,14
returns 1,05
